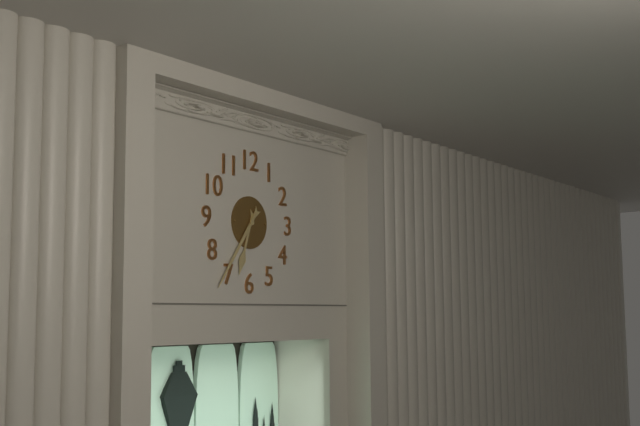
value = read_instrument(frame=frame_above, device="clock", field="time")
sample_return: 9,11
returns 6,36
